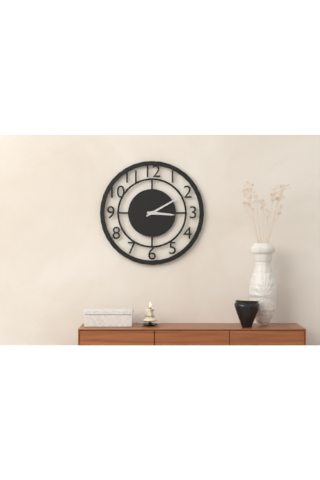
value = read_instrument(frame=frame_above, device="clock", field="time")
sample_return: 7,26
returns 3,10
